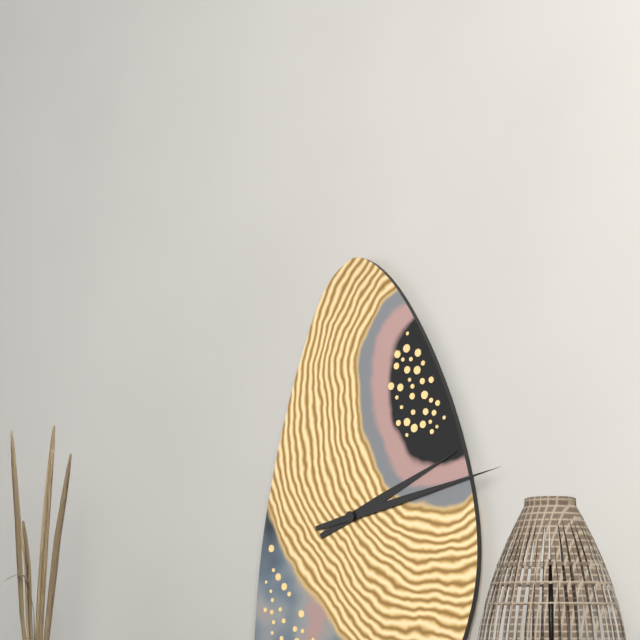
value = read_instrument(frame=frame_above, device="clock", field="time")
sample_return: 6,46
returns 2,13
